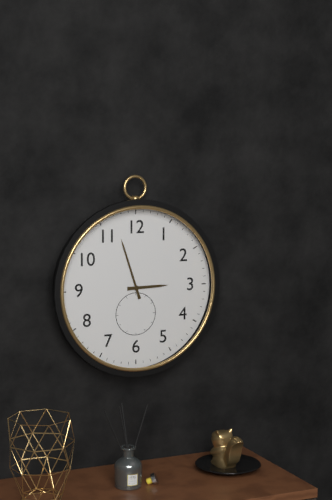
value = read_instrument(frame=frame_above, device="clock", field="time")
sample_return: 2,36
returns 2,57
